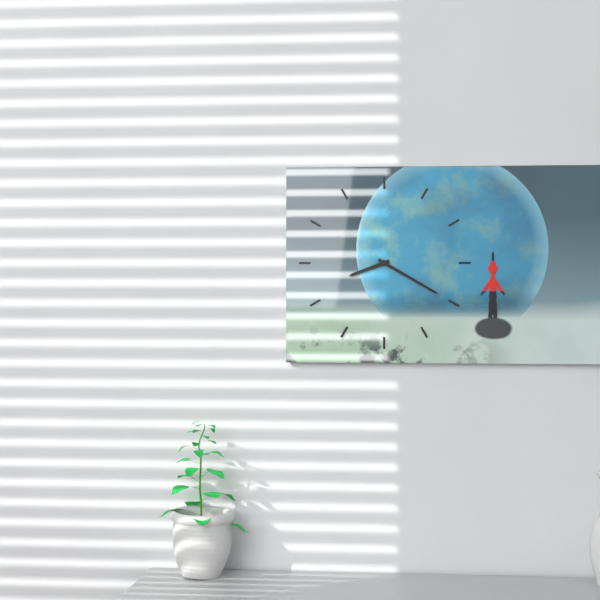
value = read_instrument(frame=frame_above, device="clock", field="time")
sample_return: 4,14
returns 8,20
